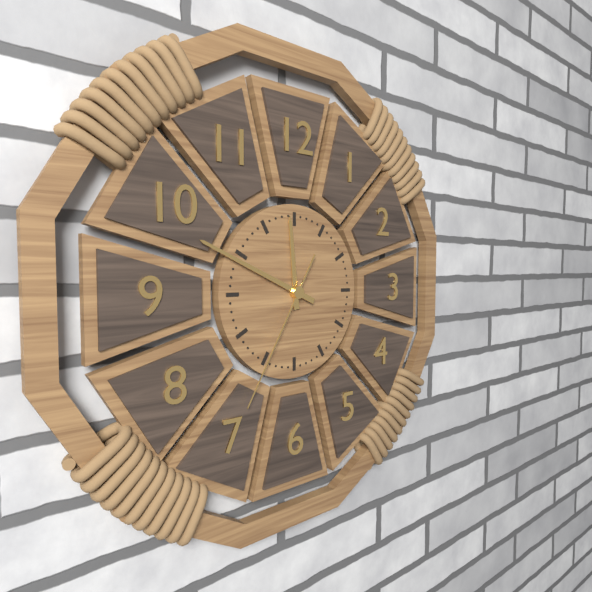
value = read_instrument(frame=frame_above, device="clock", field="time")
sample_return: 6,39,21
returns 11,49,35
